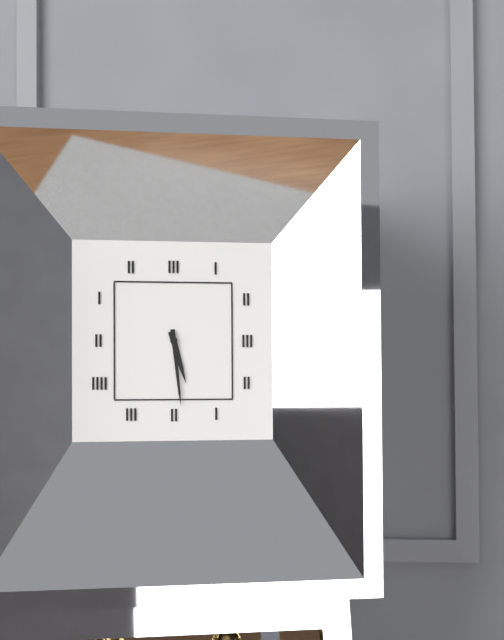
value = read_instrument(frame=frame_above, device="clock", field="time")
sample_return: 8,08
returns 5,29
